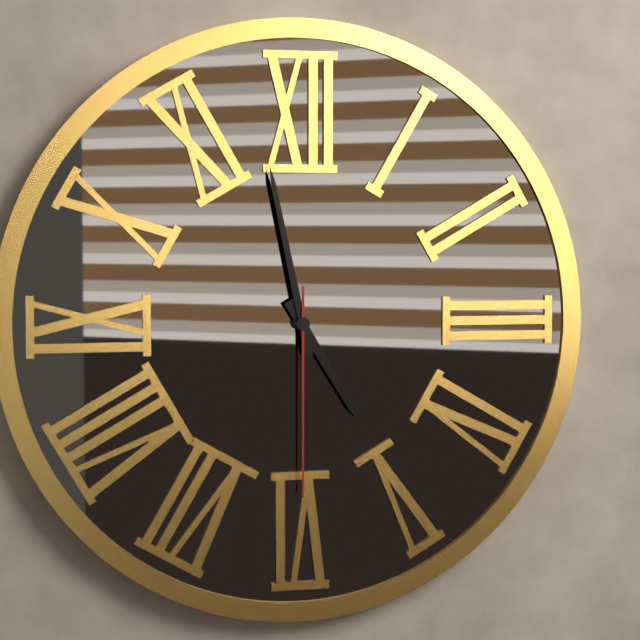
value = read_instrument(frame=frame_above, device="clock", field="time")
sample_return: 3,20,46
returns 4,58,30
